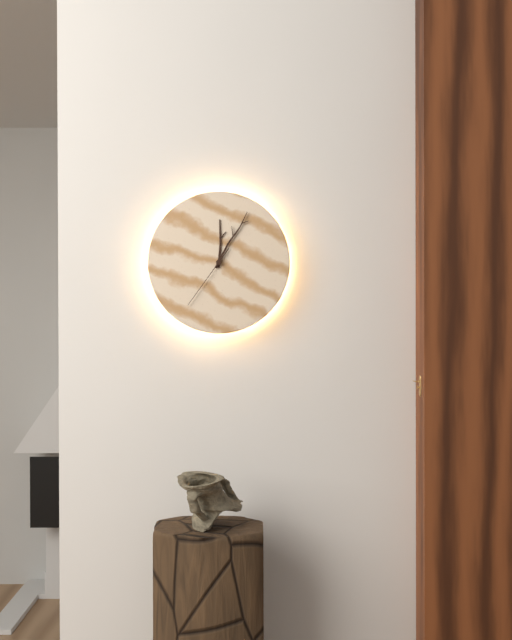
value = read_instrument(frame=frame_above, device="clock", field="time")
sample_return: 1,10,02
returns 12,05,36
